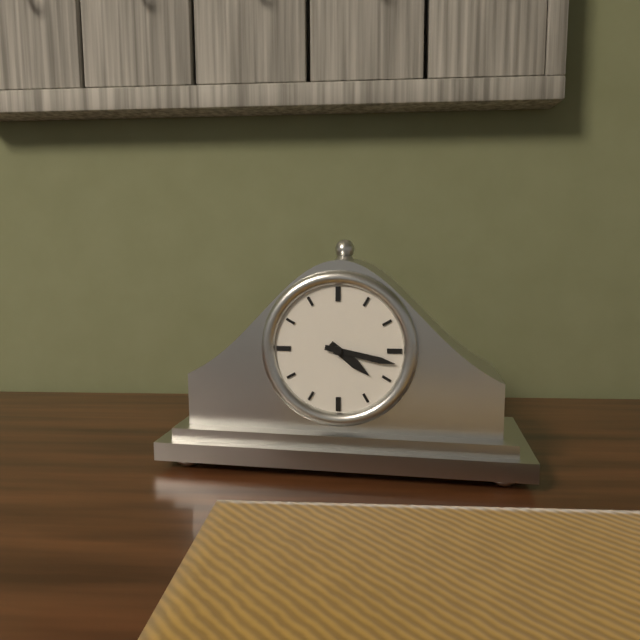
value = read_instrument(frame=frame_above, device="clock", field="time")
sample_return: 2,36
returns 4,17
